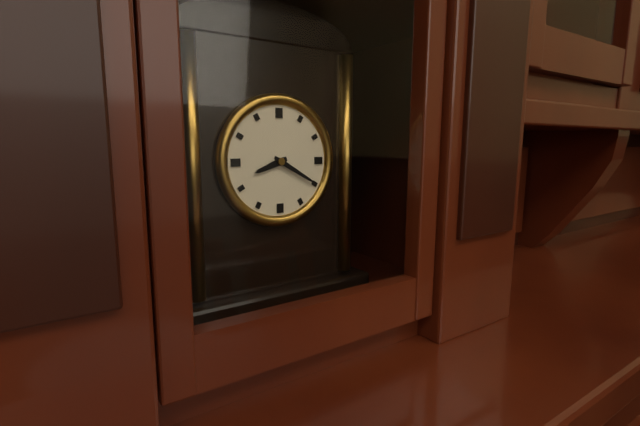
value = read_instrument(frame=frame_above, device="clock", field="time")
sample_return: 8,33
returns 8,20
